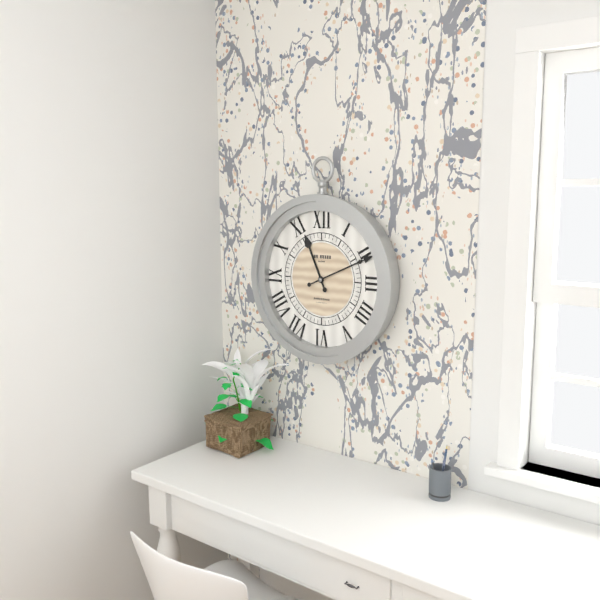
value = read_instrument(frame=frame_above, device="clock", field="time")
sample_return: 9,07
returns 11,11
